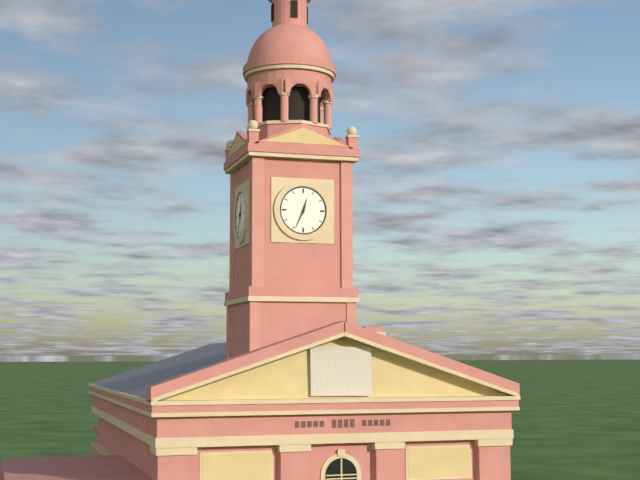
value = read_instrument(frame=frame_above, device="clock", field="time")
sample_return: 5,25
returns 12,34
